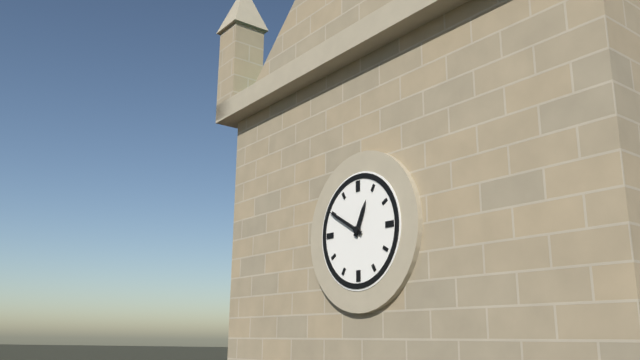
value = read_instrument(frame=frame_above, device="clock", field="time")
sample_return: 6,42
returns 12,50
